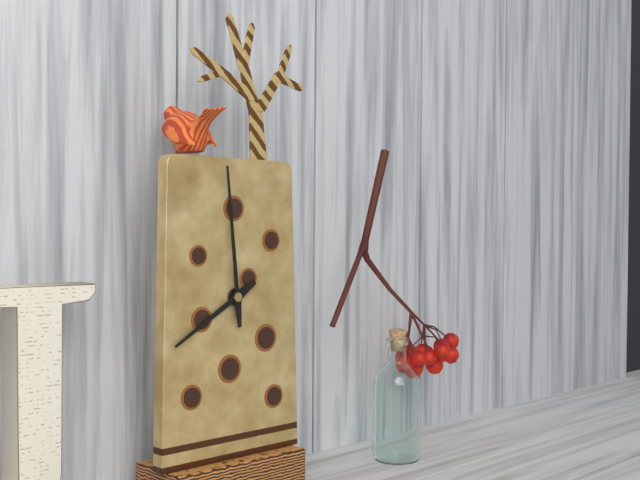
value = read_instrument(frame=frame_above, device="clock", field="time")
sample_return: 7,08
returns 7,59
